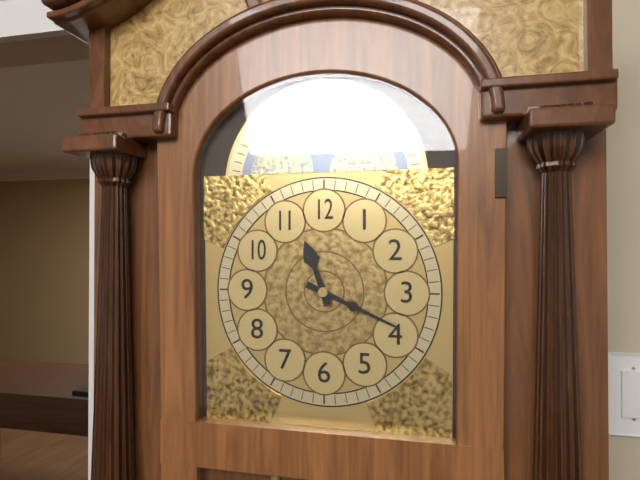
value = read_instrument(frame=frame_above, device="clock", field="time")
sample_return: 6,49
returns 11,19
